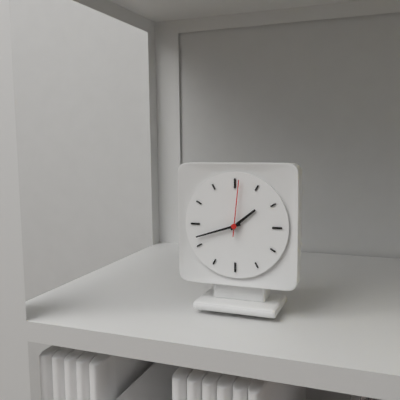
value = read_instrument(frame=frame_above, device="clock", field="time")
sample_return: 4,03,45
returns 1,42,01
